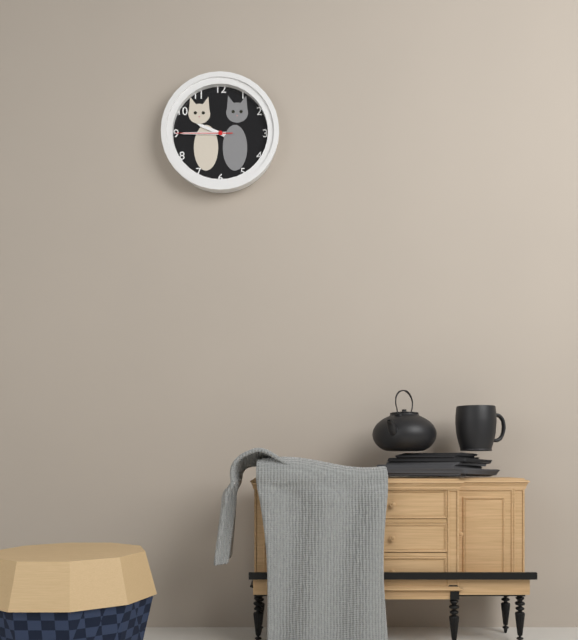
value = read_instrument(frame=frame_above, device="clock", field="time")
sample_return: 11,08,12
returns 9,45,45
